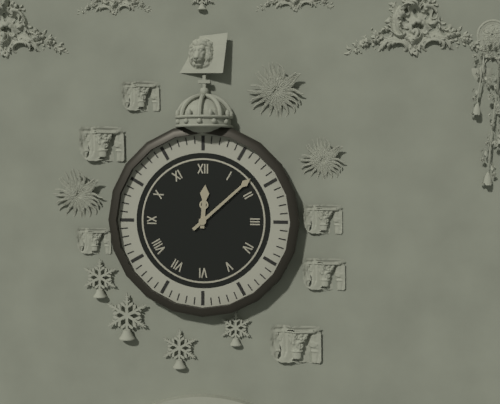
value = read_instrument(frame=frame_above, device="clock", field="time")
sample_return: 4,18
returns 12,08
